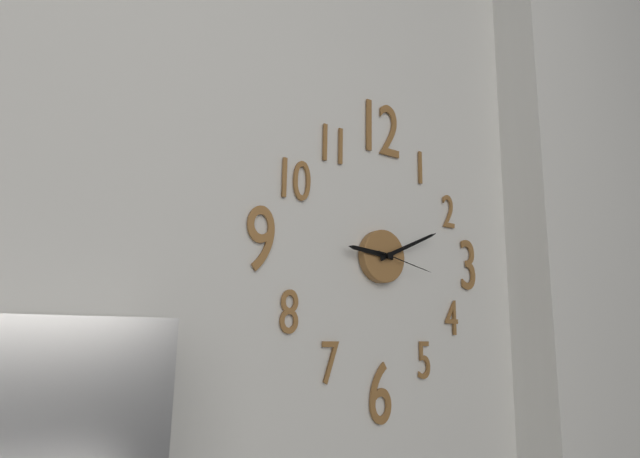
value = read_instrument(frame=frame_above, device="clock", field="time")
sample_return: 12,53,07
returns 9,11,17
